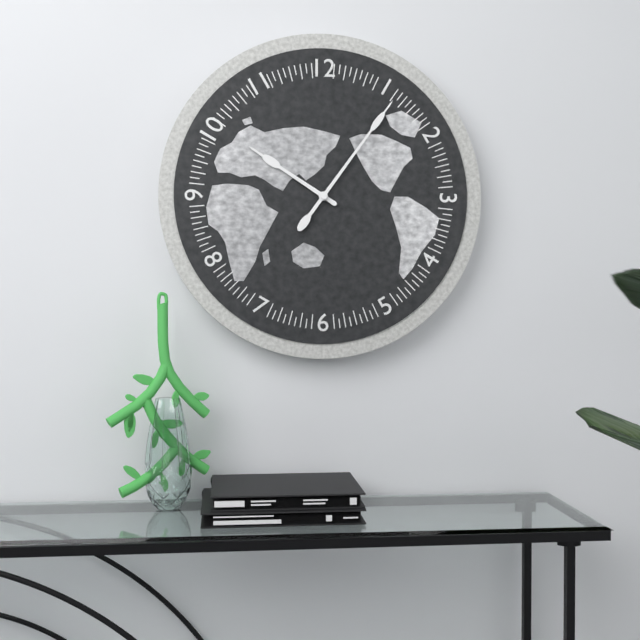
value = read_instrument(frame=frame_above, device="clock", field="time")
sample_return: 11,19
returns 10,06
